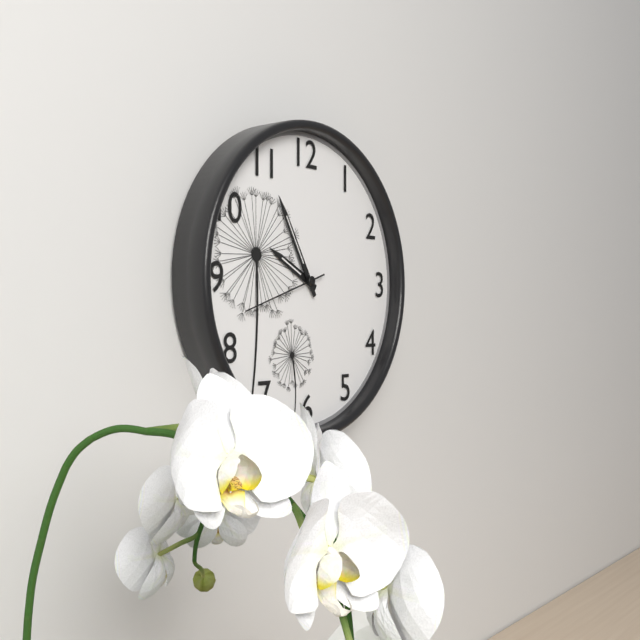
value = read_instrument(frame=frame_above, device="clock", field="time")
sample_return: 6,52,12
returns 9,55,42
